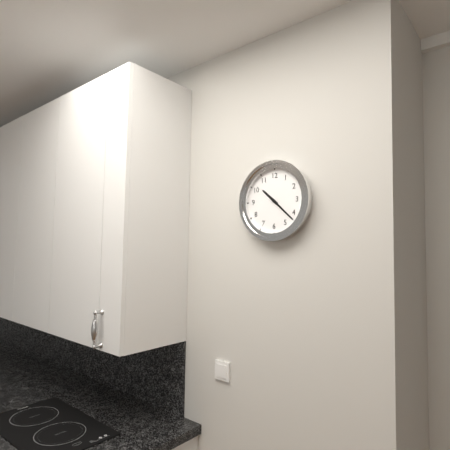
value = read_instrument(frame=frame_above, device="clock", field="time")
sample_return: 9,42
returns 10,22
